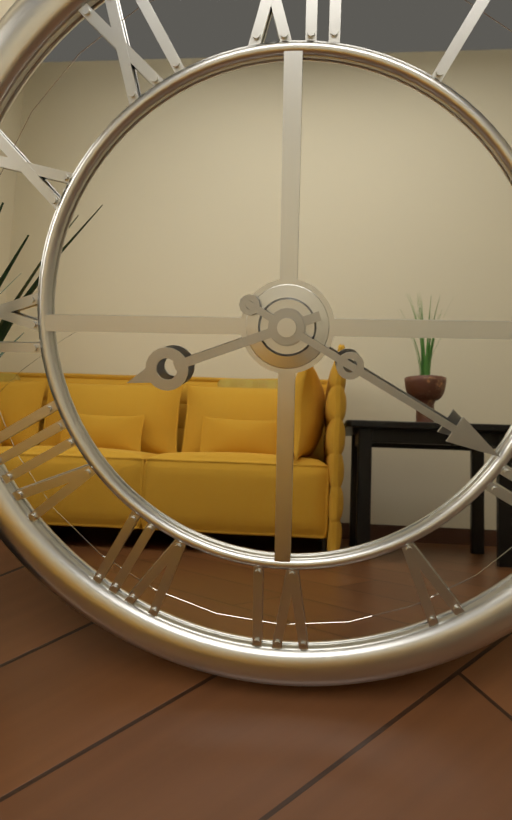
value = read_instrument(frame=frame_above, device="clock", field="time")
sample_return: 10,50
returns 8,20
